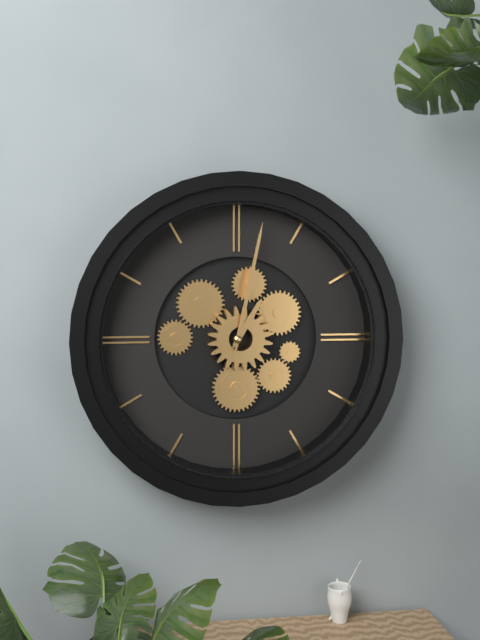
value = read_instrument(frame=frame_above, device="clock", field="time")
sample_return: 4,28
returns 1,02
